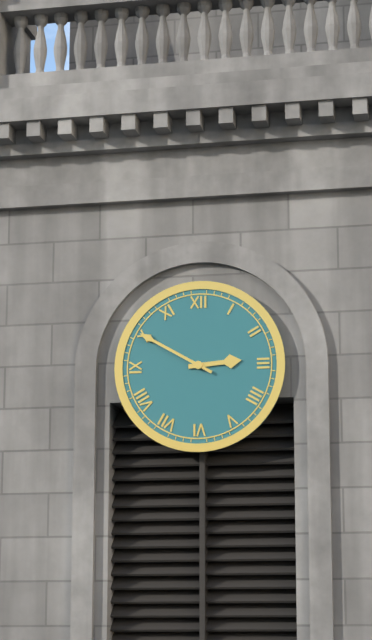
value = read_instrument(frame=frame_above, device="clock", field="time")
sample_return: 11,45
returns 2,50
